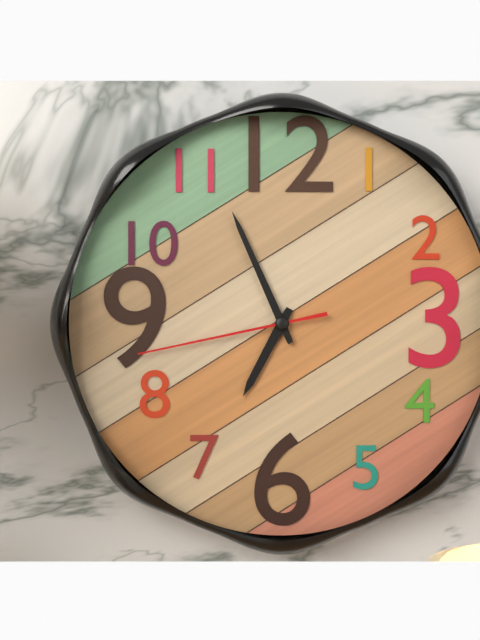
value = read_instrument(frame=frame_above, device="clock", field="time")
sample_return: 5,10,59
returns 6,56,43
